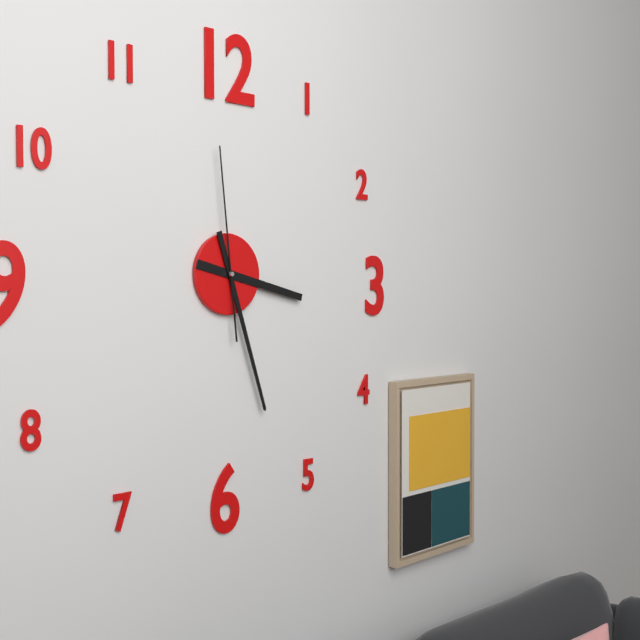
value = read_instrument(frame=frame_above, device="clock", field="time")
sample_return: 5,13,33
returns 3,27,59
